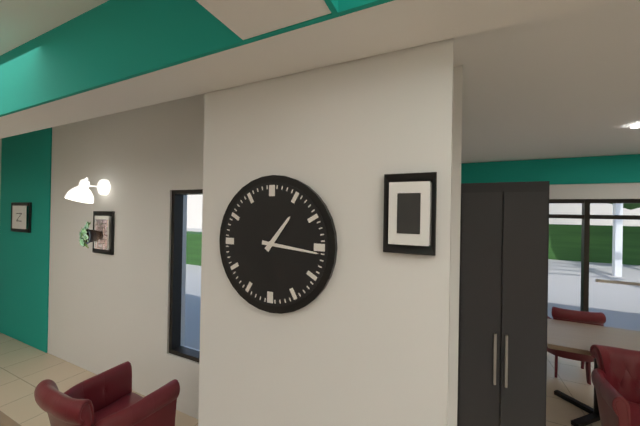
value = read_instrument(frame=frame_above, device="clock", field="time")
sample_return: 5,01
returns 1,16
